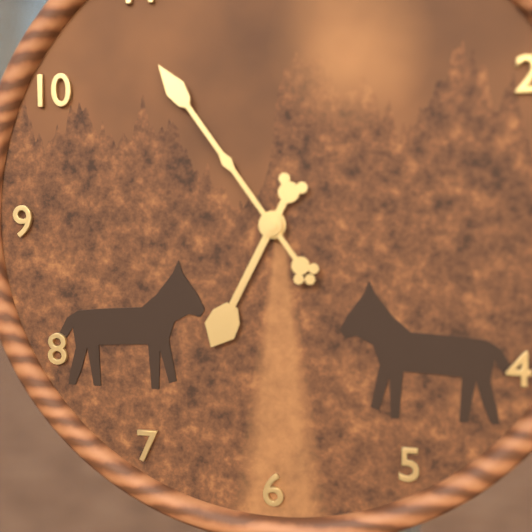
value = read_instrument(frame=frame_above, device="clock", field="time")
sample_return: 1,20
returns 6,54
